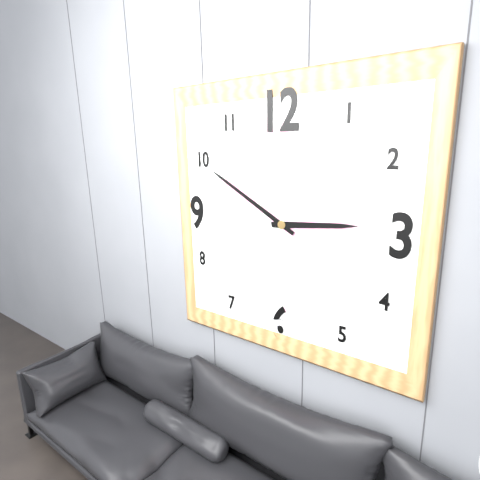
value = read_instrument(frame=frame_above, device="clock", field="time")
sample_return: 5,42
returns 2,50
